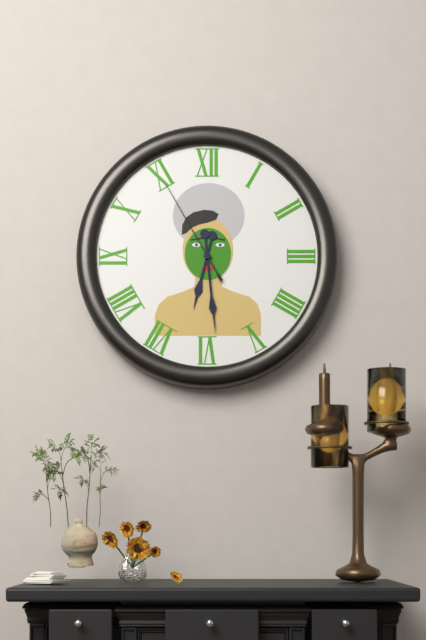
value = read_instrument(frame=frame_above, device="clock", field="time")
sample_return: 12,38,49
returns 6,29,55
